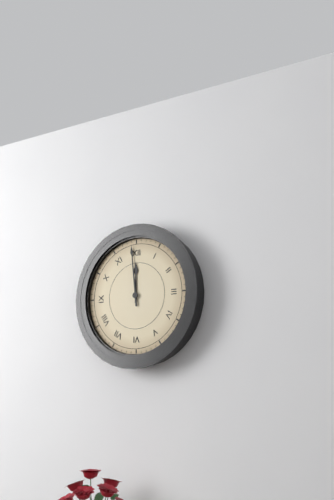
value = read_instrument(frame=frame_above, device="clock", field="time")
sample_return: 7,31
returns 11,59
